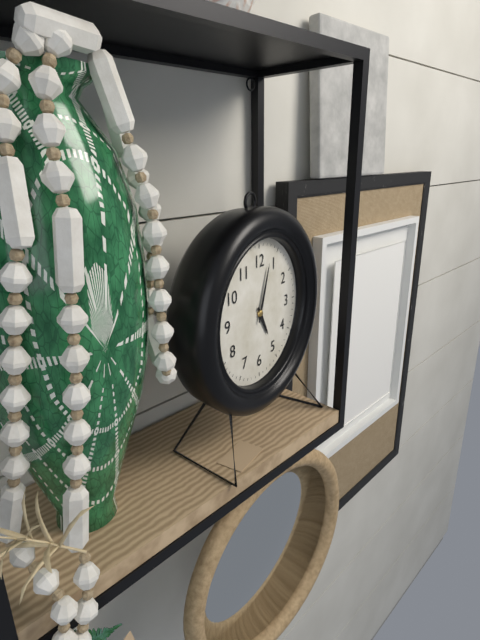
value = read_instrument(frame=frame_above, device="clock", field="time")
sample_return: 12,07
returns 5,03
